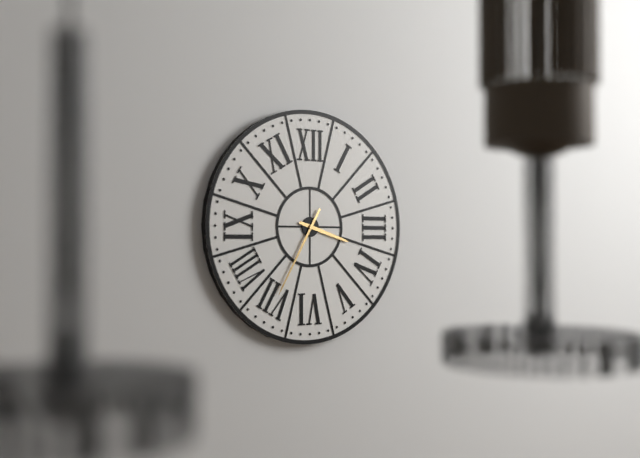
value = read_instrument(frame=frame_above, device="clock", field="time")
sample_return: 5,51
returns 3,35
